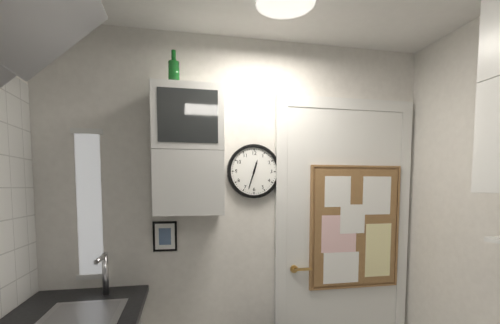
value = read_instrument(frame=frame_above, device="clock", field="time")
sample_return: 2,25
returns 12,33
